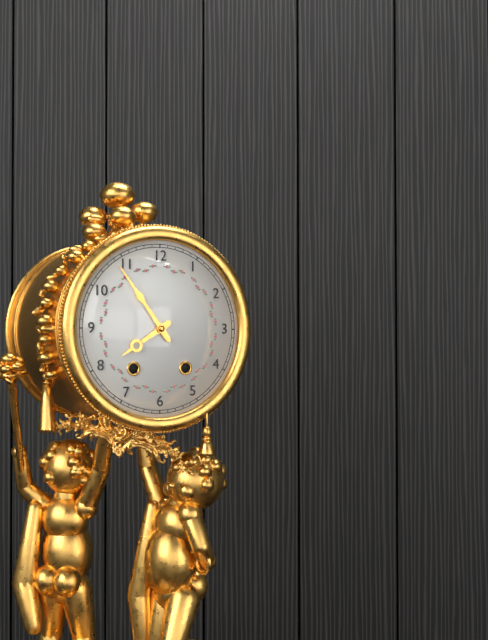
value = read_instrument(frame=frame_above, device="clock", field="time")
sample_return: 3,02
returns 7,54
